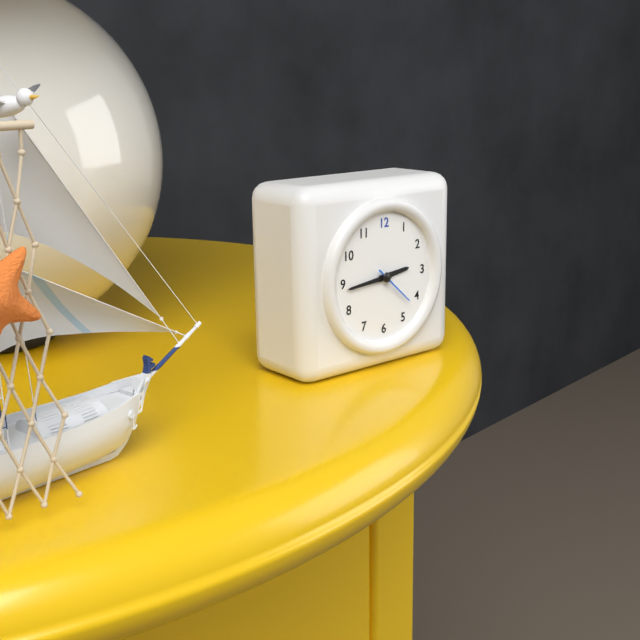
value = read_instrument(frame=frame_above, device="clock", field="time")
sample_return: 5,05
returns 2,44
